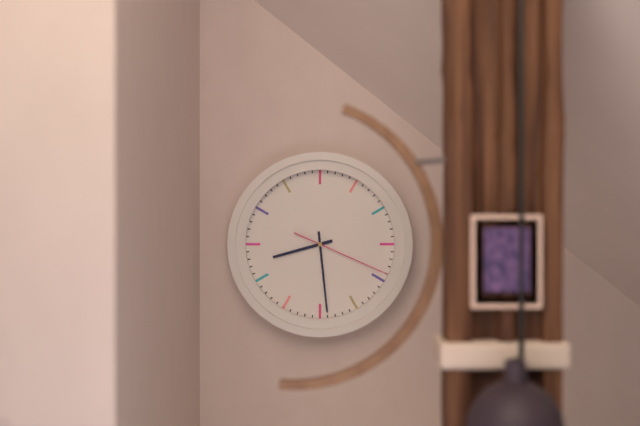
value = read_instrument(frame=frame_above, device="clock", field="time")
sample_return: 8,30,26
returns 8,29,19
